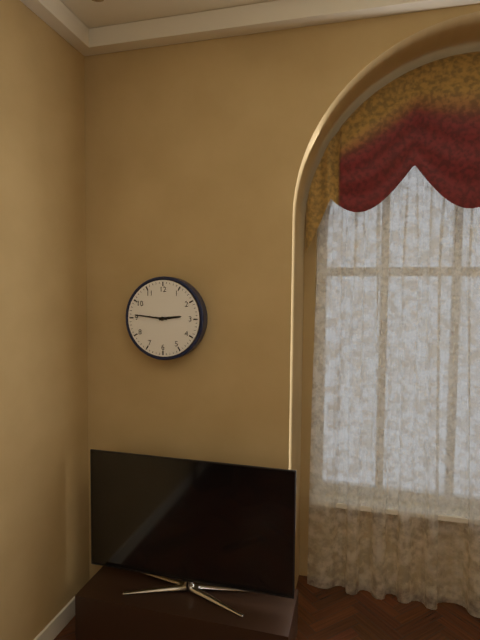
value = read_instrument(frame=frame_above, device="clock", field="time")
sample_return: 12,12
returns 2,46
